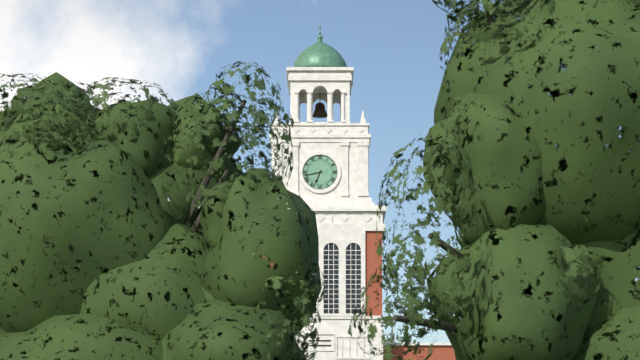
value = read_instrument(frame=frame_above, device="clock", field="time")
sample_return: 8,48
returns 6,43
